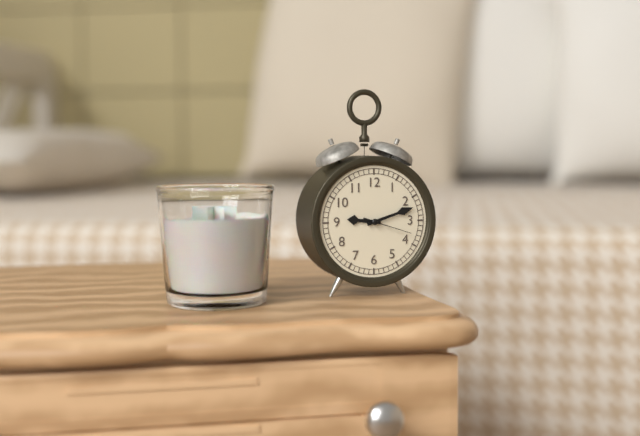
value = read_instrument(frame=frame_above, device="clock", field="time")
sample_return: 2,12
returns 9,12
